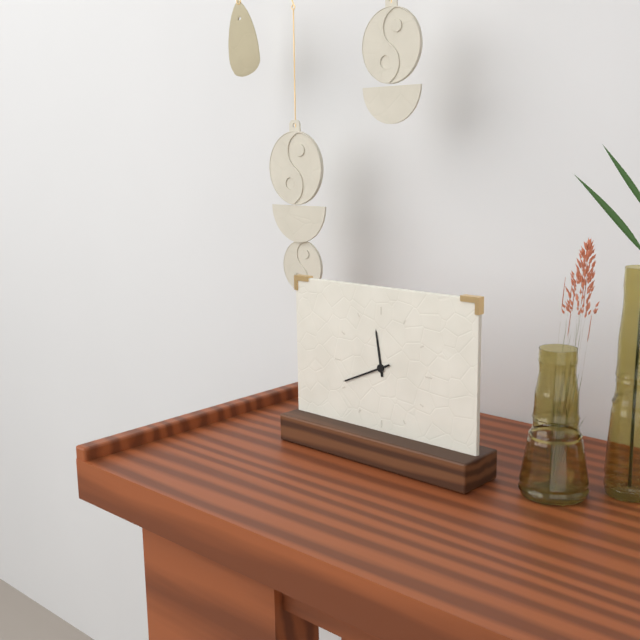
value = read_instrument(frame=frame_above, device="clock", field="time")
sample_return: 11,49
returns 11,41
